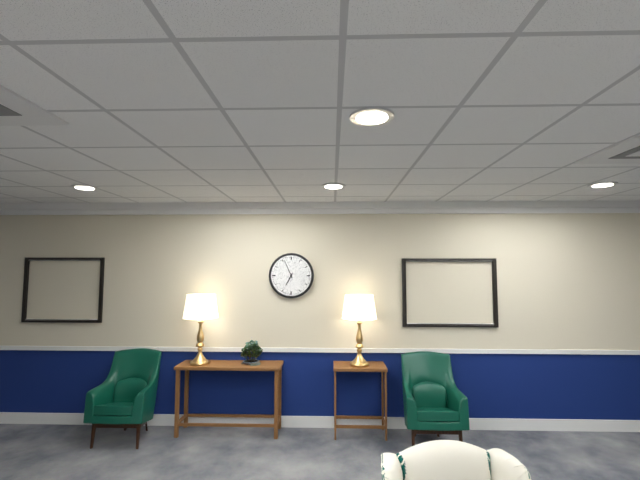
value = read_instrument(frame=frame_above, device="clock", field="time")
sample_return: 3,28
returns 6,56
